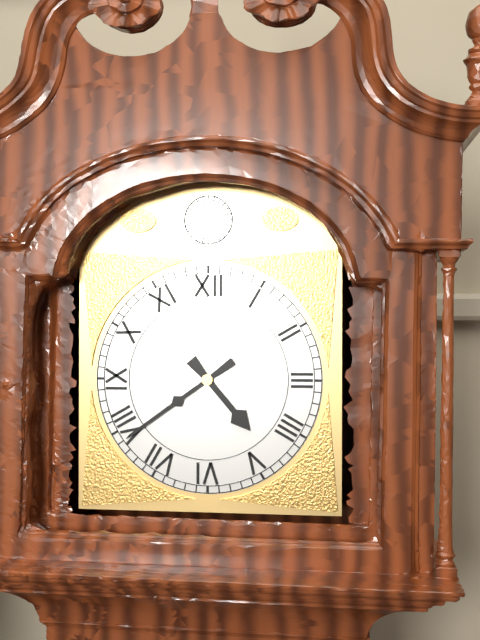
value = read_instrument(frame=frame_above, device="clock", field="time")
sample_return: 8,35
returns 4,39
